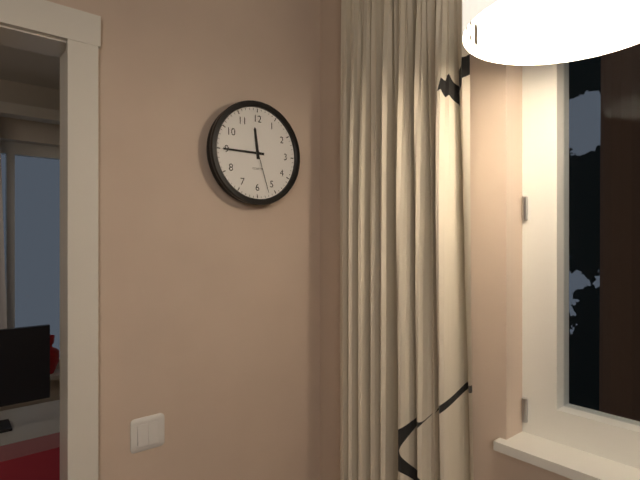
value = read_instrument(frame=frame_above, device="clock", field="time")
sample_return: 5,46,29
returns 11,45,27
